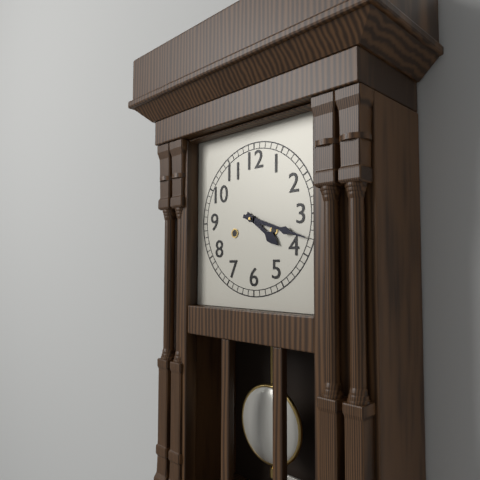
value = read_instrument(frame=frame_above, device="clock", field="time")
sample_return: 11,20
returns 4,18
